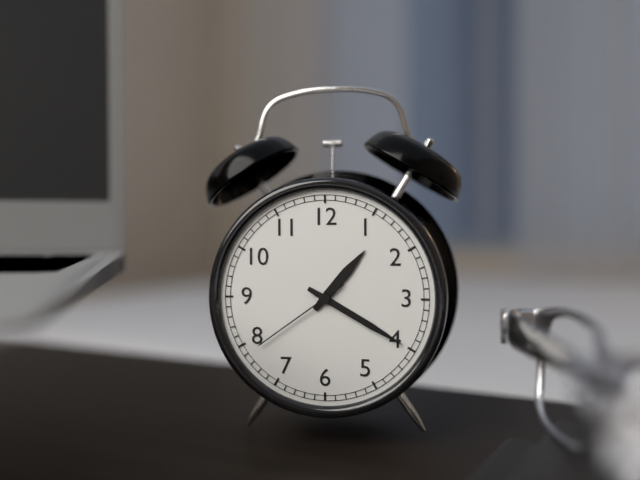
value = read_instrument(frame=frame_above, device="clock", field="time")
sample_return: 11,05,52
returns 1,20,39
